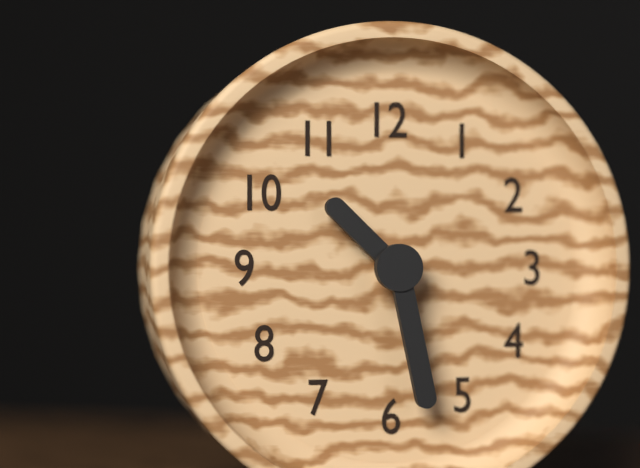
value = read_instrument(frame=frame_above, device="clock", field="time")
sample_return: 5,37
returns 10,28
